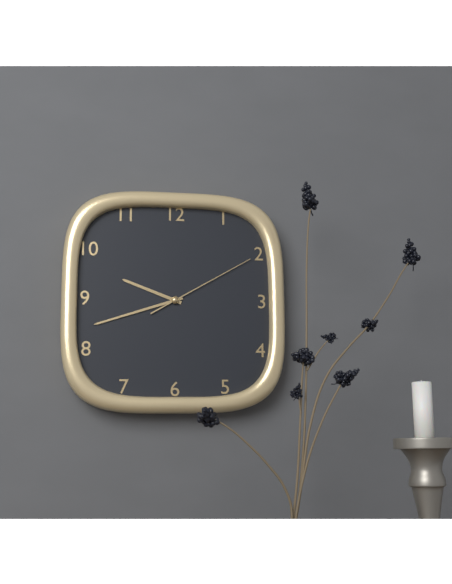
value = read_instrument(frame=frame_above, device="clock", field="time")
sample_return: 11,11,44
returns 9,42,10
